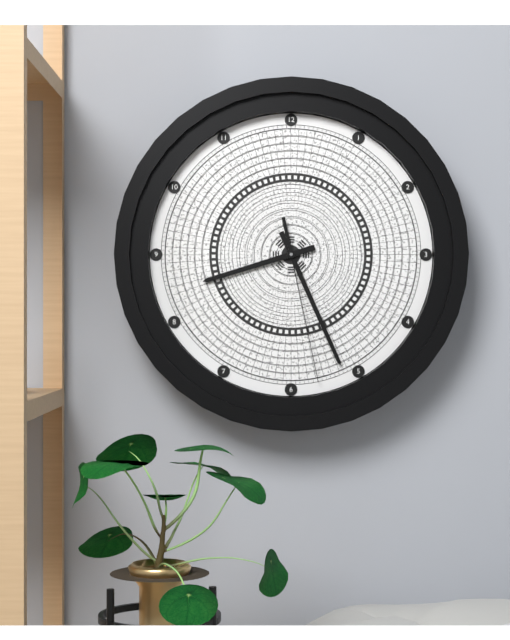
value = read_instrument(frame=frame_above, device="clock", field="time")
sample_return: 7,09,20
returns 8,26,28
